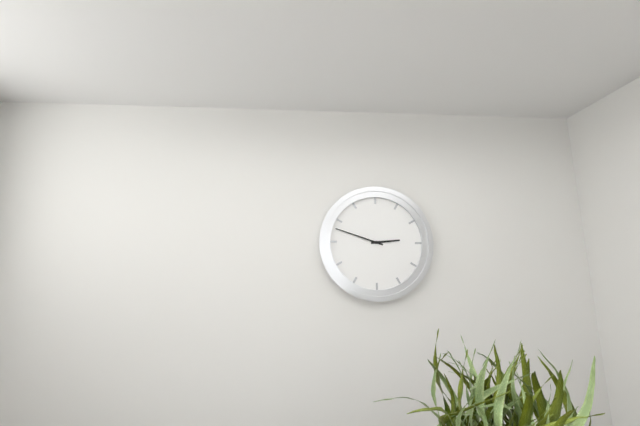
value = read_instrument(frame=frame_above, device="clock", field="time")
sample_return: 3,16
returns 2,48
